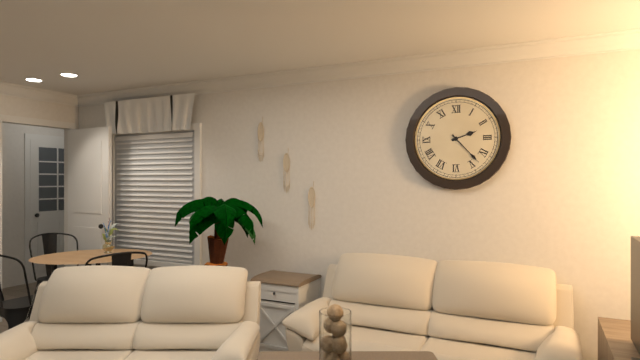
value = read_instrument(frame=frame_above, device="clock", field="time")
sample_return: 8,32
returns 2,23
